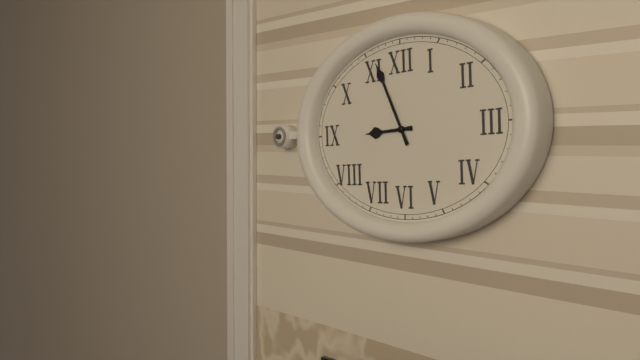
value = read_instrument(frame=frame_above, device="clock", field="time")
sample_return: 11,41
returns 8,56
